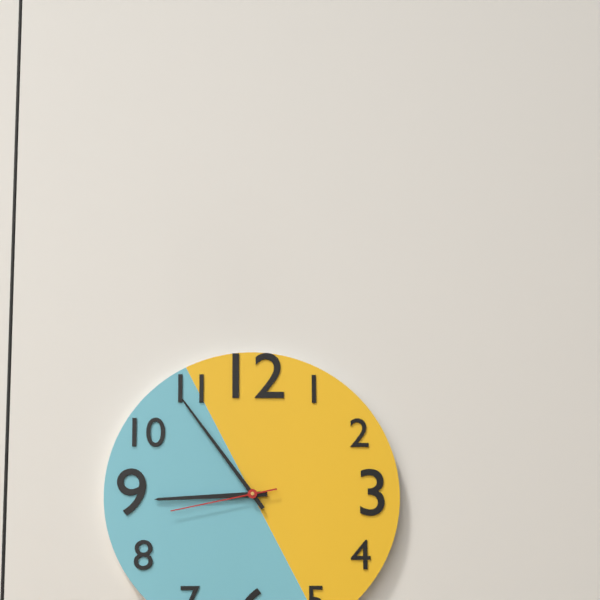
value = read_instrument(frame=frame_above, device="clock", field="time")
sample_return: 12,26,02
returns 8,54,43
